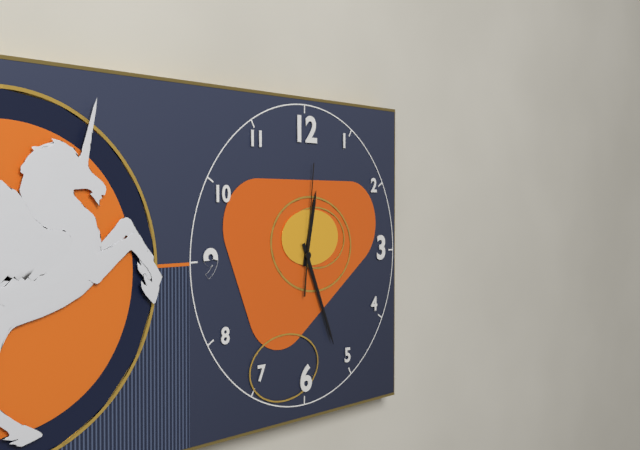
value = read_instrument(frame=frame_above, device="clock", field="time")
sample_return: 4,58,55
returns 12,26,01
